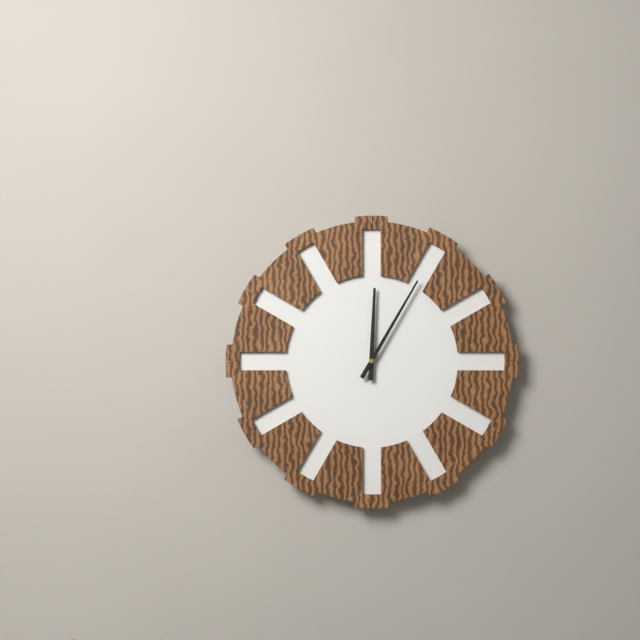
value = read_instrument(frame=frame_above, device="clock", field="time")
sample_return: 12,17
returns 12,05
